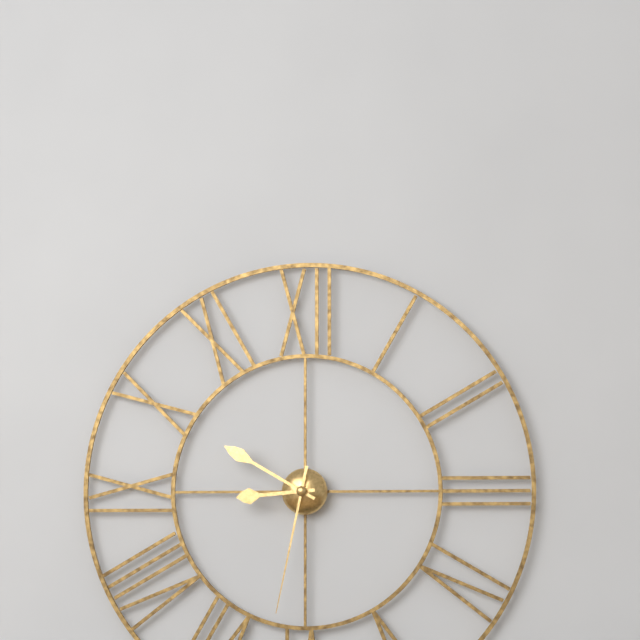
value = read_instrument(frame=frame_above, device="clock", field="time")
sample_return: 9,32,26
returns 8,50,32
